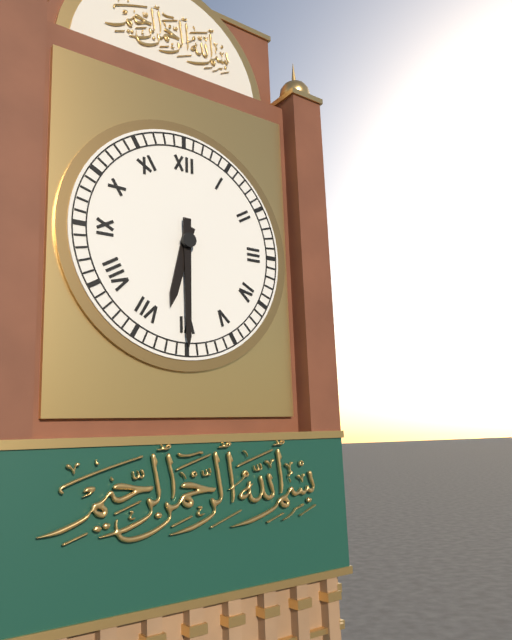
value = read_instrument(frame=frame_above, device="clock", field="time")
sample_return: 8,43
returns 6,30
